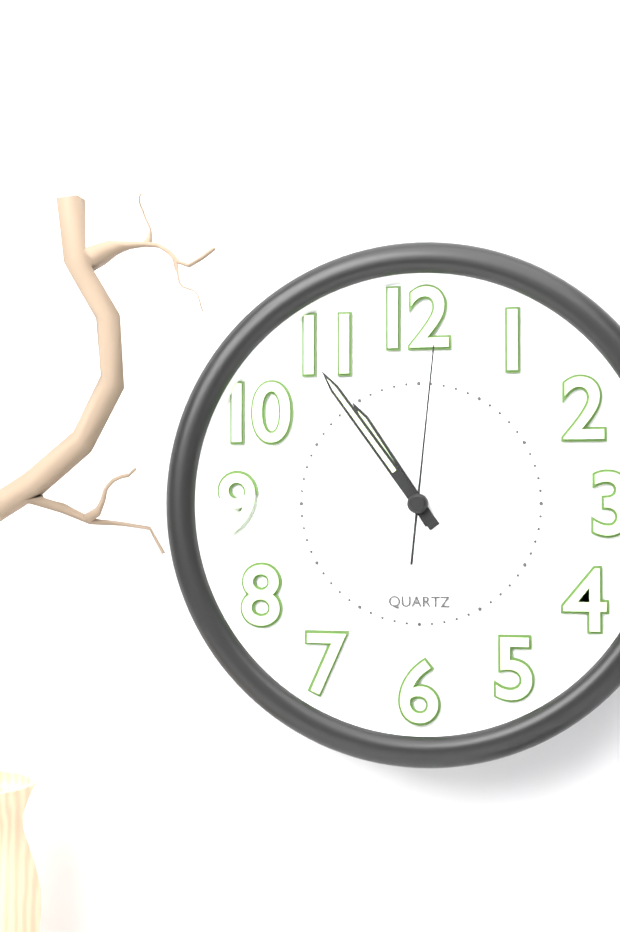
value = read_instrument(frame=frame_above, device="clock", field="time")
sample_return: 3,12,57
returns 10,54,01
